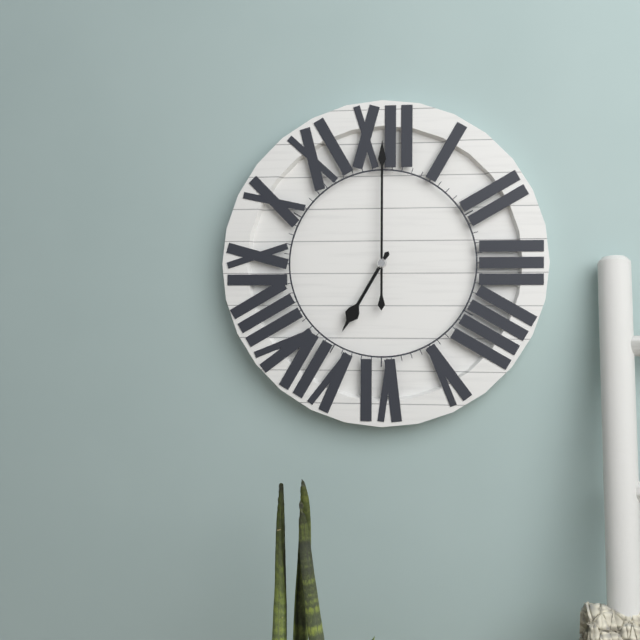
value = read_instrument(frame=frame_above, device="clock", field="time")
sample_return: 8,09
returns 7,00
